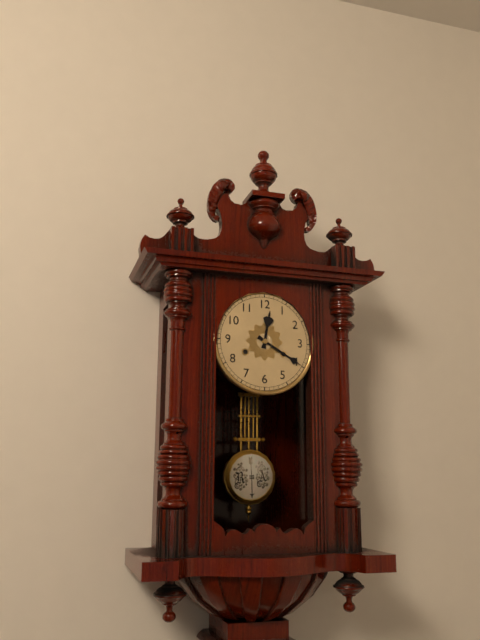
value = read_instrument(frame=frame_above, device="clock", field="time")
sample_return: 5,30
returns 12,20
